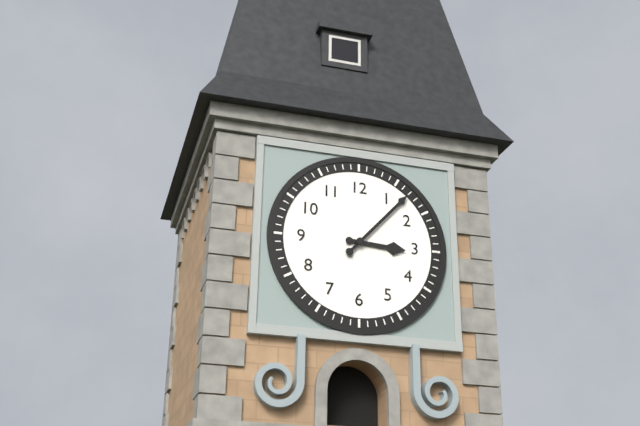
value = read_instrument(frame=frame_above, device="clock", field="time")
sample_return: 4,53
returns 3,07
